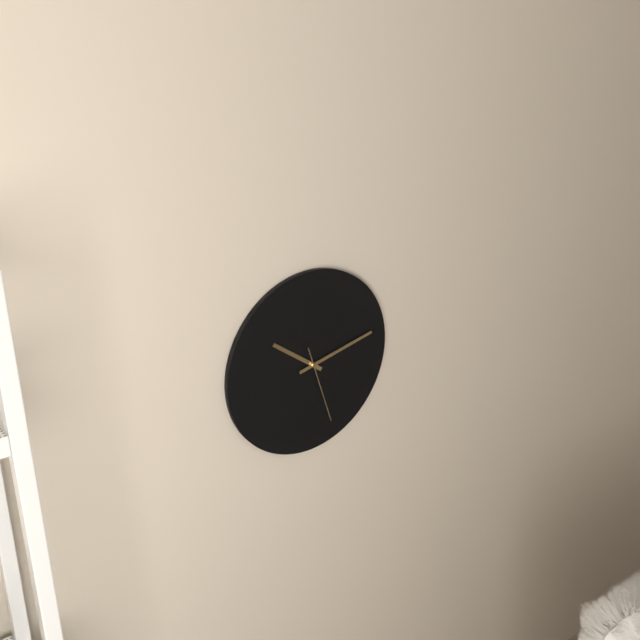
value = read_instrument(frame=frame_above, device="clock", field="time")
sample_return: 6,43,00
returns 10,13,27
